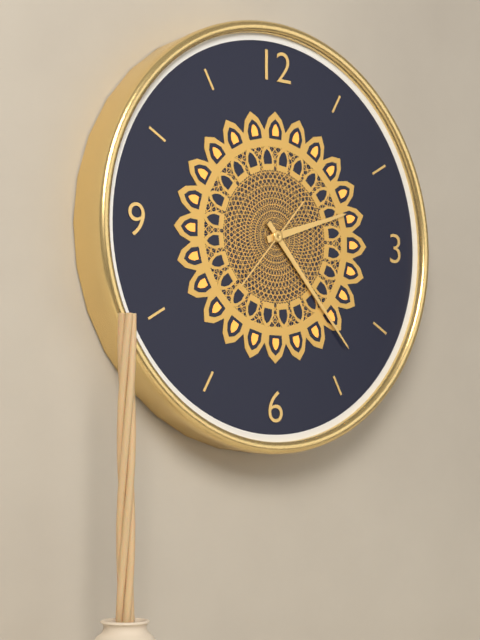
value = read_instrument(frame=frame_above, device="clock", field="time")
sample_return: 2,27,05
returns 2,23,37
